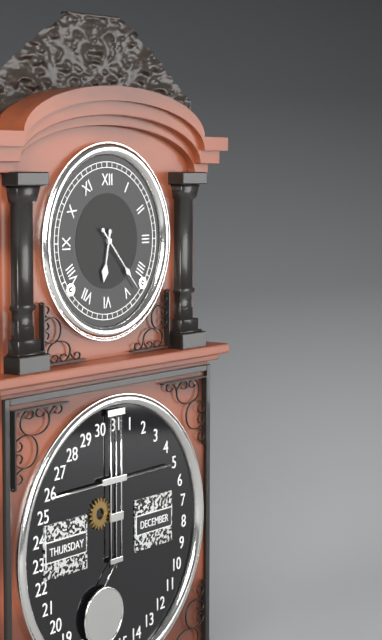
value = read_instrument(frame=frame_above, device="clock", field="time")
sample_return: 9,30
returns 6,23
